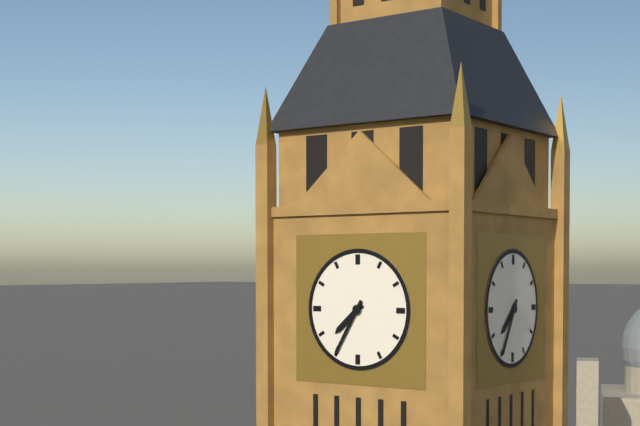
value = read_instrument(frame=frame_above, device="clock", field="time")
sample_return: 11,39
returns 7,35
